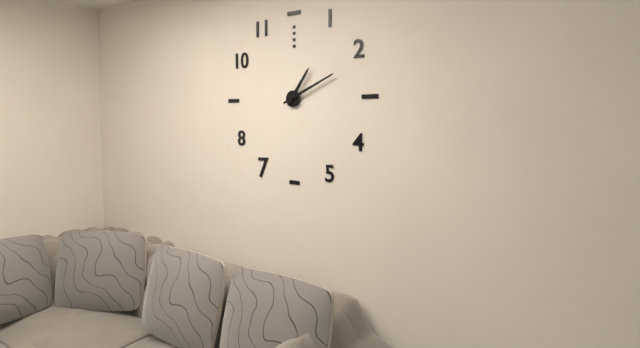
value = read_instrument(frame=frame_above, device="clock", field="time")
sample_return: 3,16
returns 1,11
